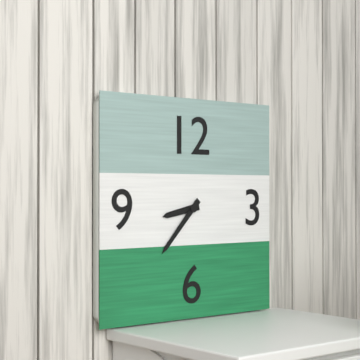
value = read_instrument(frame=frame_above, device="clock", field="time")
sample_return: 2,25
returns 8,37
